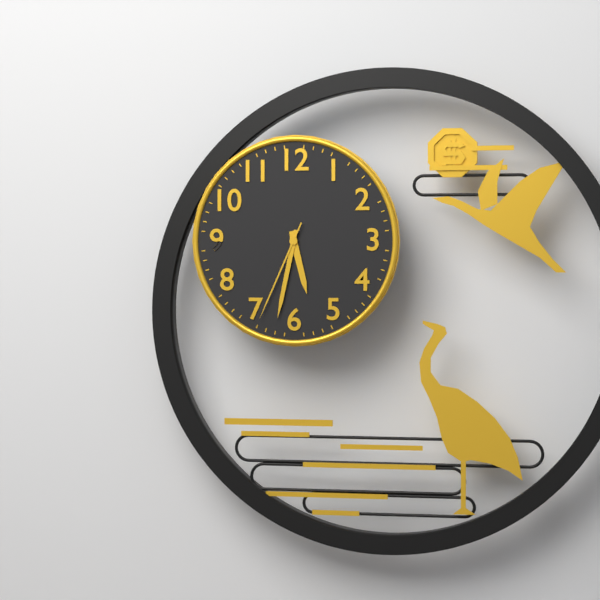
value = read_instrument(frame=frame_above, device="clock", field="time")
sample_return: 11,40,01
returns 5,32,34
